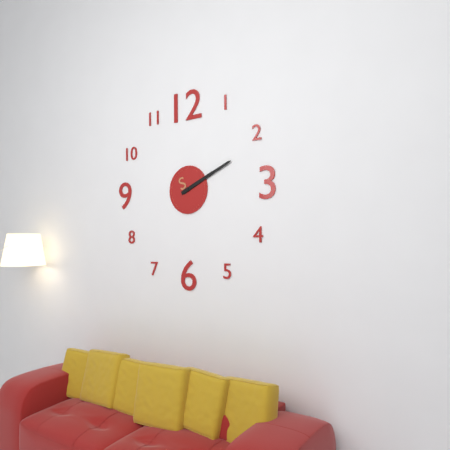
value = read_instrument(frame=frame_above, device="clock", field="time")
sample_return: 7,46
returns 2,11
